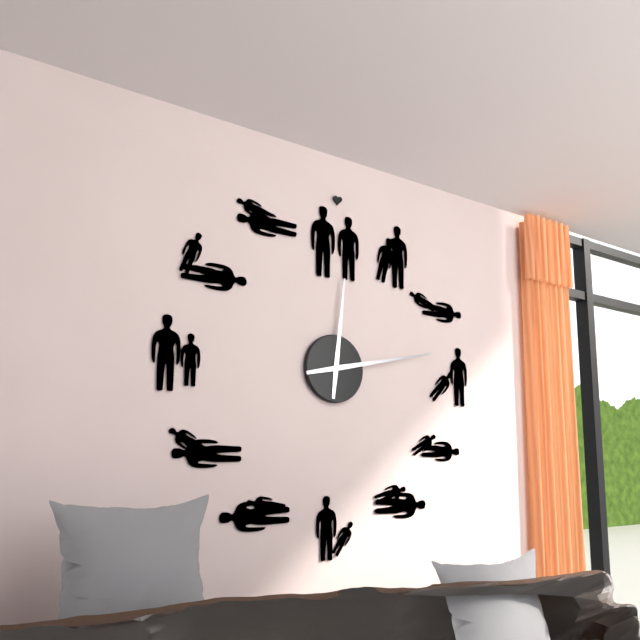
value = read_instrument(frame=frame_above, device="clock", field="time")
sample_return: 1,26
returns 12,13
